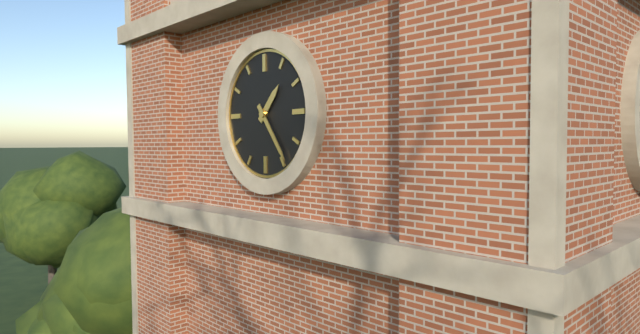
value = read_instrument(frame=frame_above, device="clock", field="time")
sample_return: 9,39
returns 1,24
